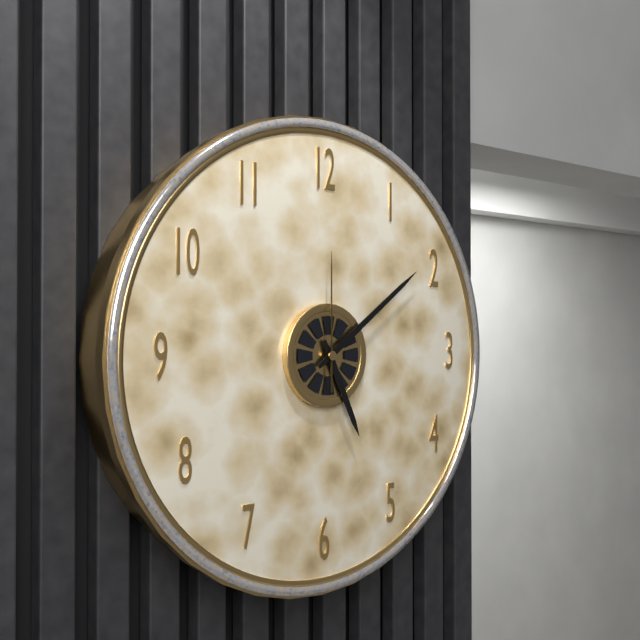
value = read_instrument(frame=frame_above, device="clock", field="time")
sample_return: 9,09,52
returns 5,09,00
